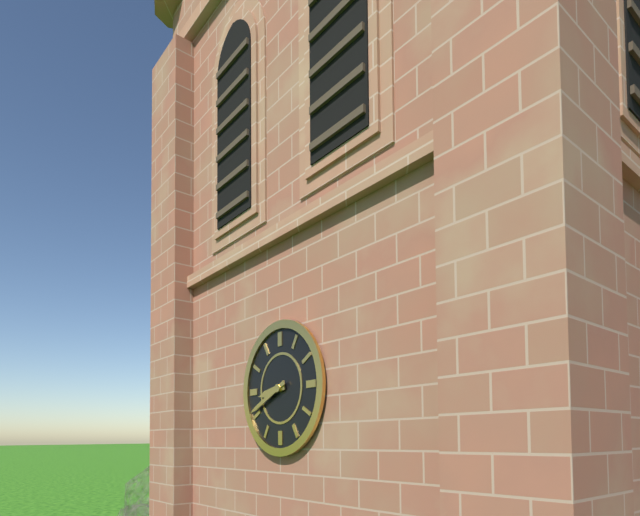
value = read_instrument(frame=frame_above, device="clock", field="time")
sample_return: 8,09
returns 8,41
